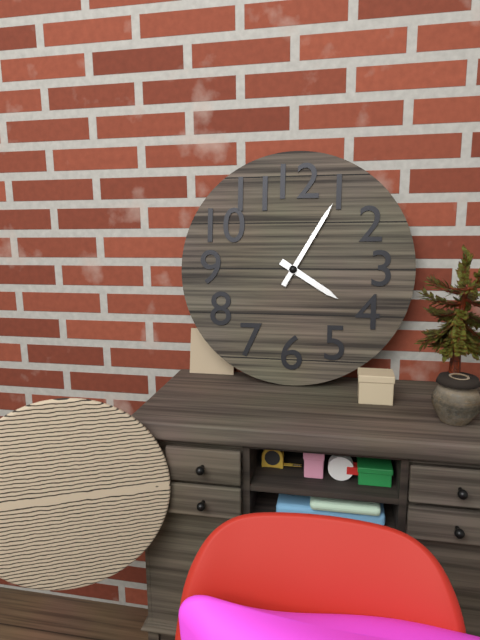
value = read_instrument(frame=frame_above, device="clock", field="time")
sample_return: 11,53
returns 4,05
